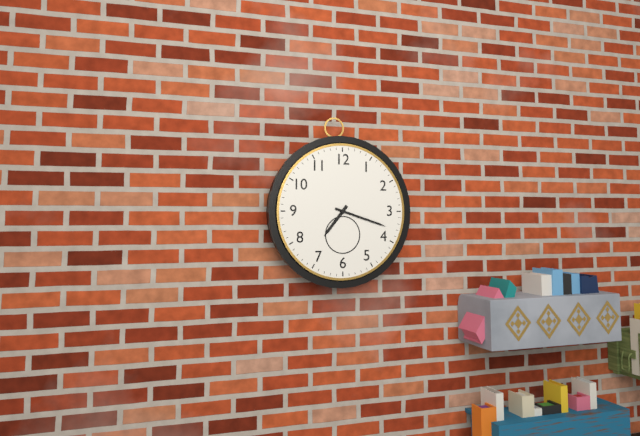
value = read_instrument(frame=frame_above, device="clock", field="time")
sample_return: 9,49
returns 7,18
